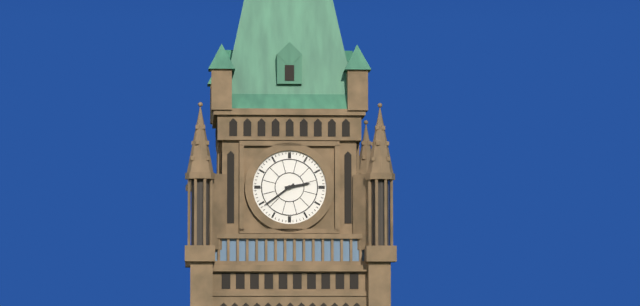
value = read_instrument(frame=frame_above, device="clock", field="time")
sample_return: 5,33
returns 2,39
